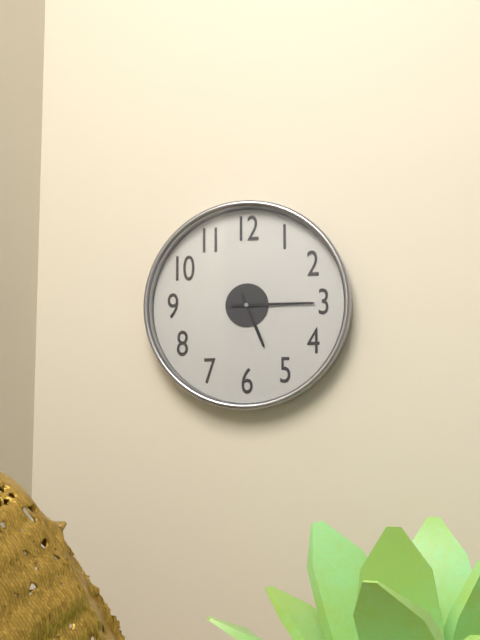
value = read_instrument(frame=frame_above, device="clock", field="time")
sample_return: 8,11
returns 5,15
